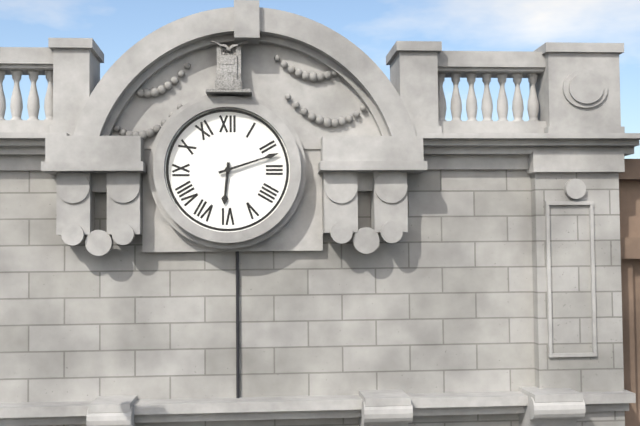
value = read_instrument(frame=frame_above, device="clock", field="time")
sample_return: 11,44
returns 6,12
